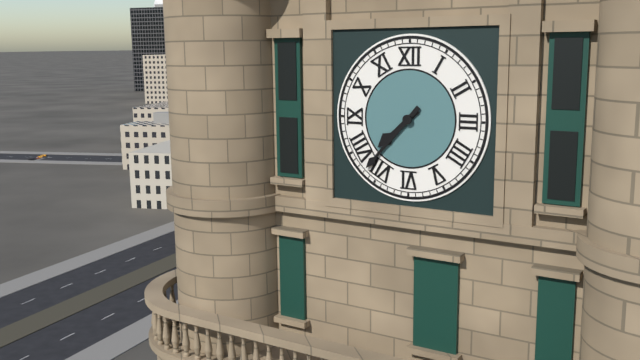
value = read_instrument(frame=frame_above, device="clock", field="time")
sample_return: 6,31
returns 7,37
